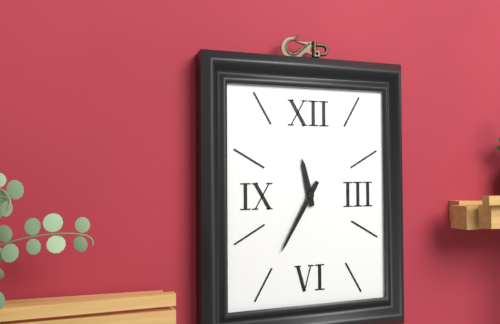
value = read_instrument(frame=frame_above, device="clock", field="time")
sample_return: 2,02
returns 11,35
